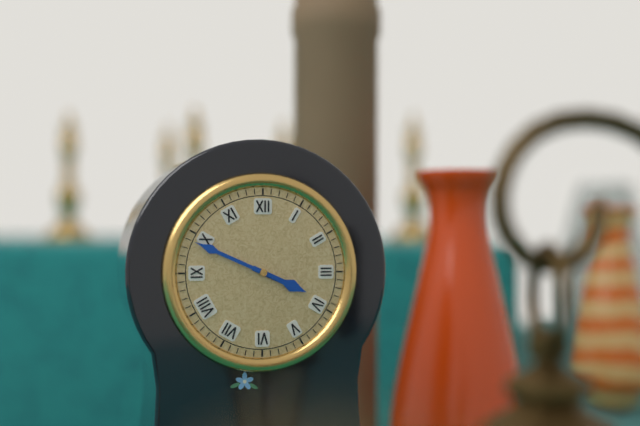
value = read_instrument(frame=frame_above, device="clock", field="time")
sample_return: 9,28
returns 3,49
